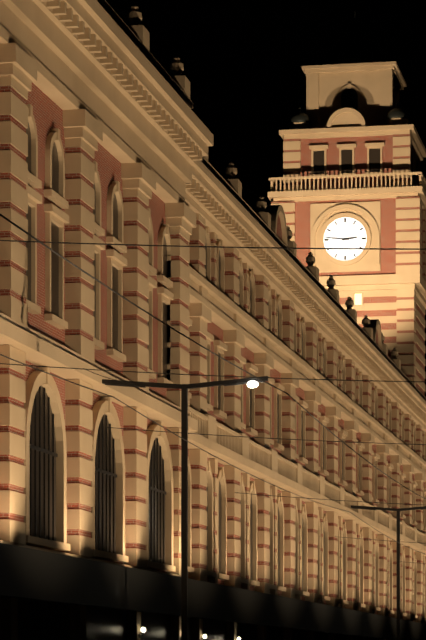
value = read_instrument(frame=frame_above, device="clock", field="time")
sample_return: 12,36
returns 2,46
